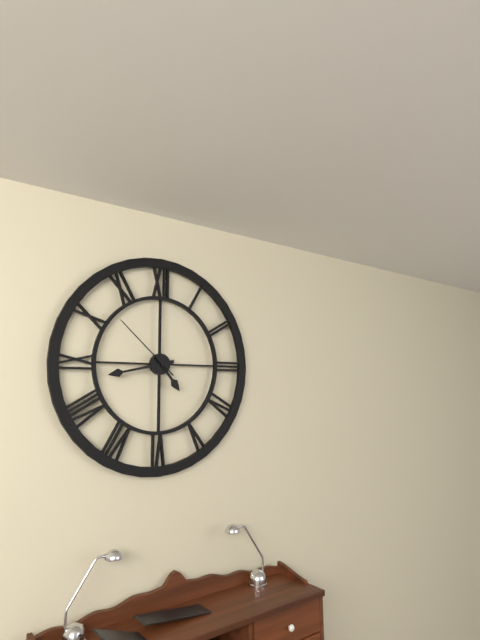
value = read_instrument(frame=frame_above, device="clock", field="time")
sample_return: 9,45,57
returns 4,43,52
